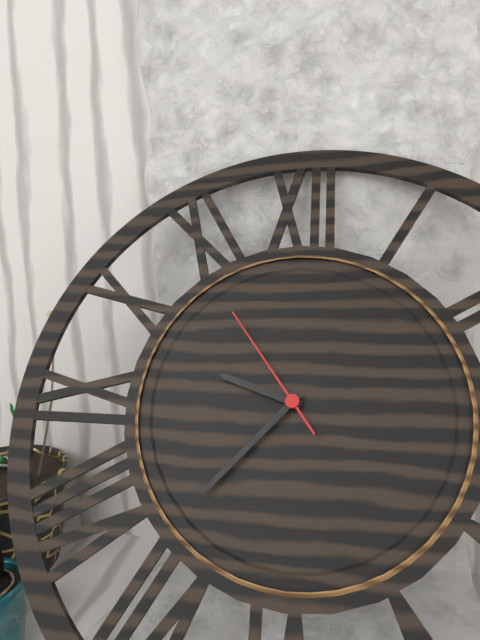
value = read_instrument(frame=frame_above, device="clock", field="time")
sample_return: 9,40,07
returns 9,37,54
